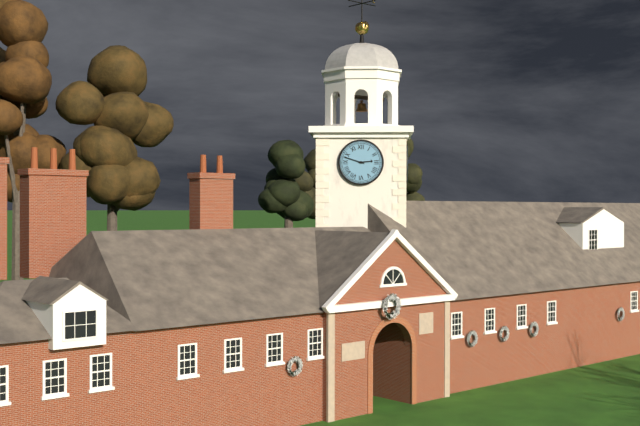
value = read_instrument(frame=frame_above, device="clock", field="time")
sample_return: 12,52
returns 2,48
